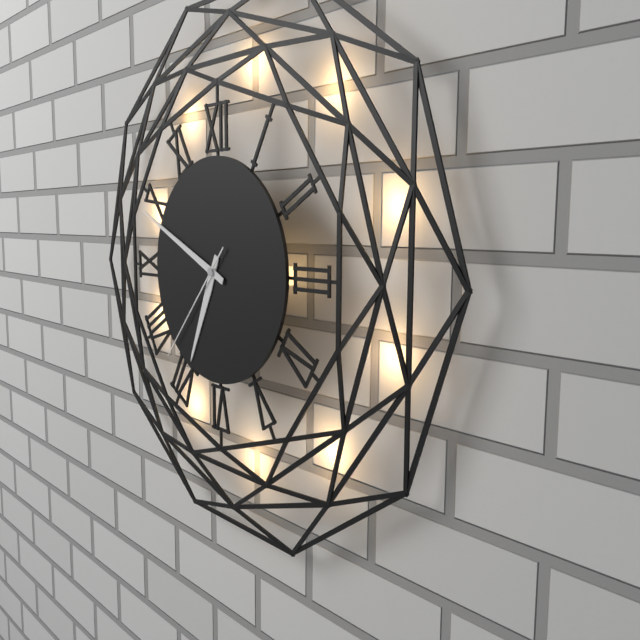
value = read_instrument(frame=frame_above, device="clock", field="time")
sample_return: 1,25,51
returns 6,49,37
